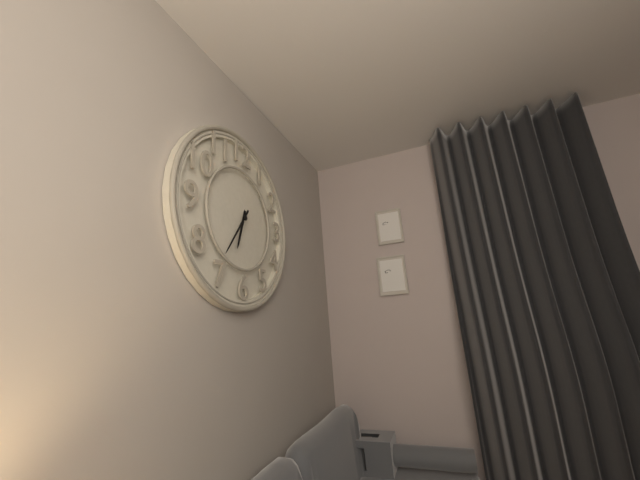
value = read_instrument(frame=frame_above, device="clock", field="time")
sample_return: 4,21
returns 6,36
